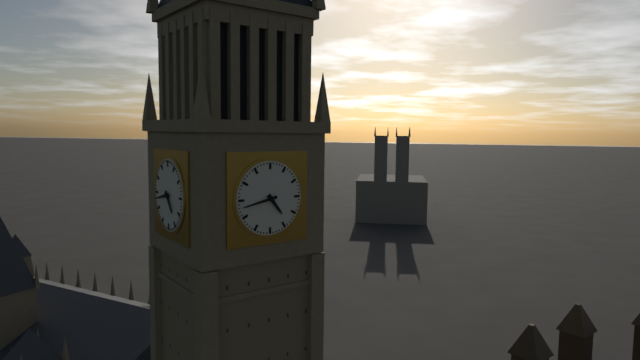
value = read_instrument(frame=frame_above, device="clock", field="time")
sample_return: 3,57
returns 4,43
